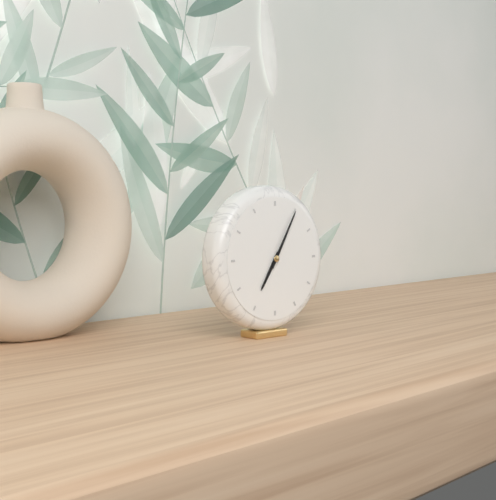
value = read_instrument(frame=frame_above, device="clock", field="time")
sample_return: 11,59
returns 7,05
